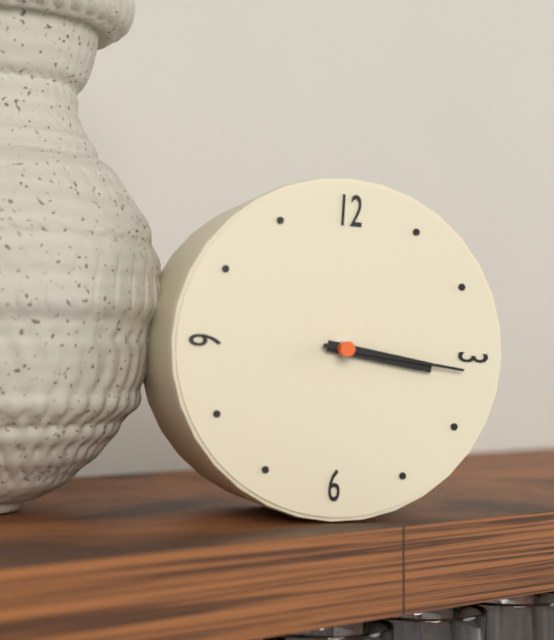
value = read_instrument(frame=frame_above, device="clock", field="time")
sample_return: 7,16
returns 3,16
